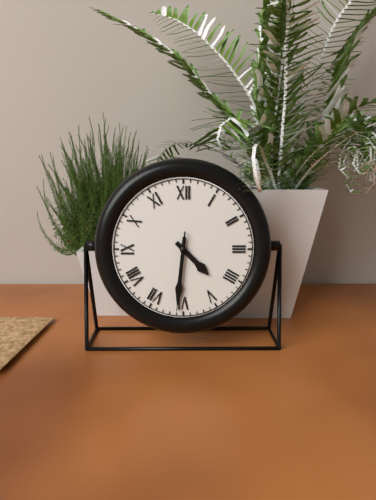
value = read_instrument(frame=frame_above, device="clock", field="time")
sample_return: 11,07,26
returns 4,31,31
